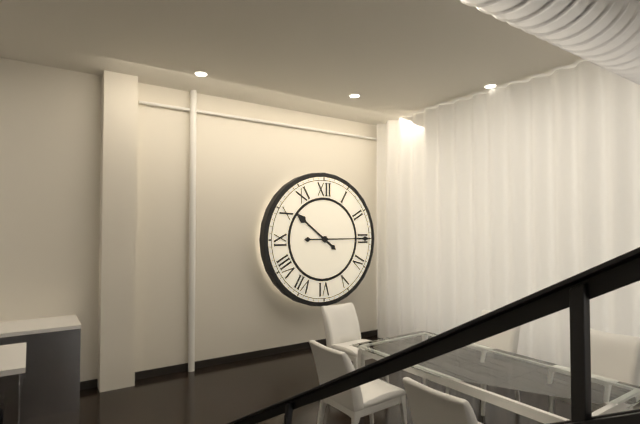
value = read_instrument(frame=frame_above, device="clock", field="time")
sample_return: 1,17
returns 10,15
